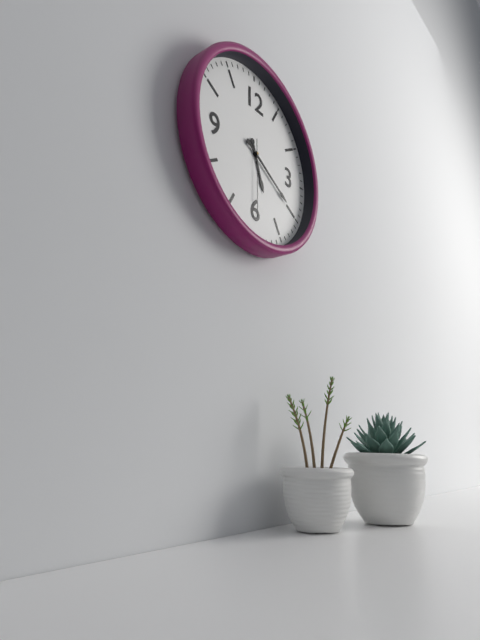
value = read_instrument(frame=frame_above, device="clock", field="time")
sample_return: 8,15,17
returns 5,20,30
